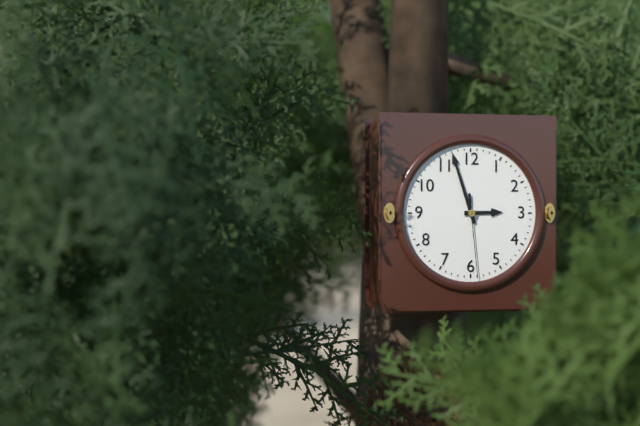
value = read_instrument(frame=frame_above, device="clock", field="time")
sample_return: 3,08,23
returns 2,57,29
